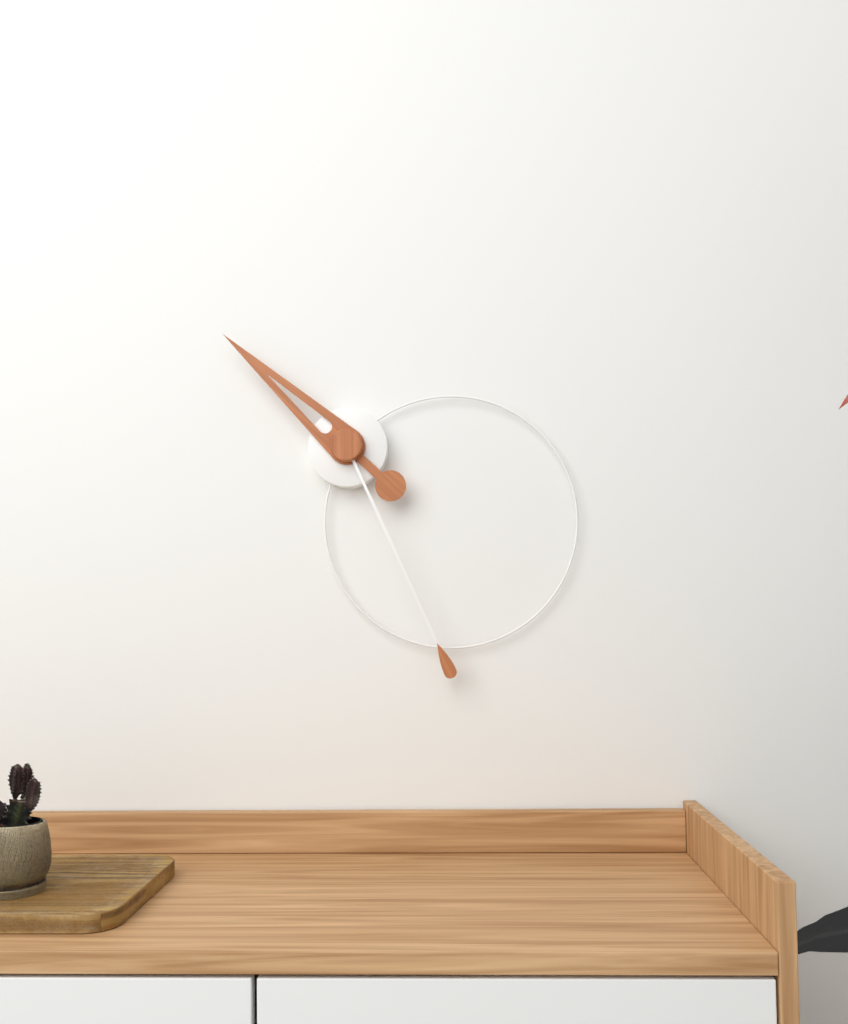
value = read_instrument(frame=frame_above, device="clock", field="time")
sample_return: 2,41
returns 10,26
